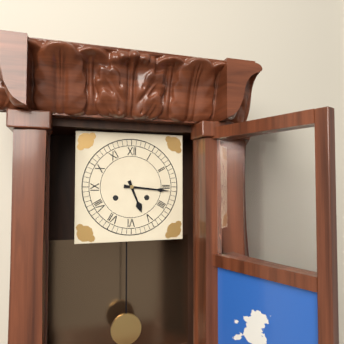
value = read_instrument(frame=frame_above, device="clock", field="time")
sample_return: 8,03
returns 5,16
